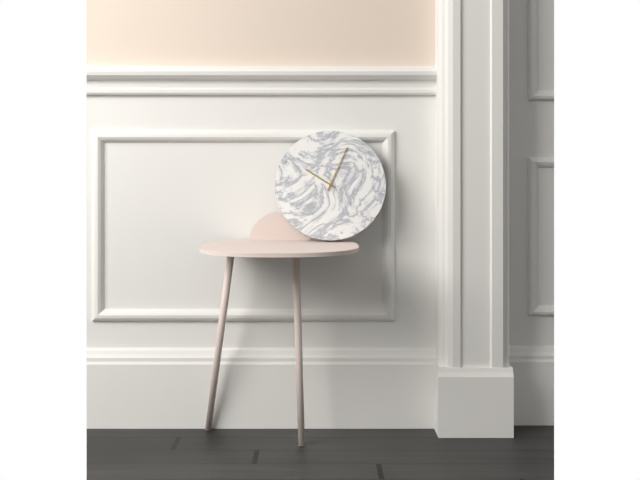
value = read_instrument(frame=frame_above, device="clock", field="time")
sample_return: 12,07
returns 10,04
